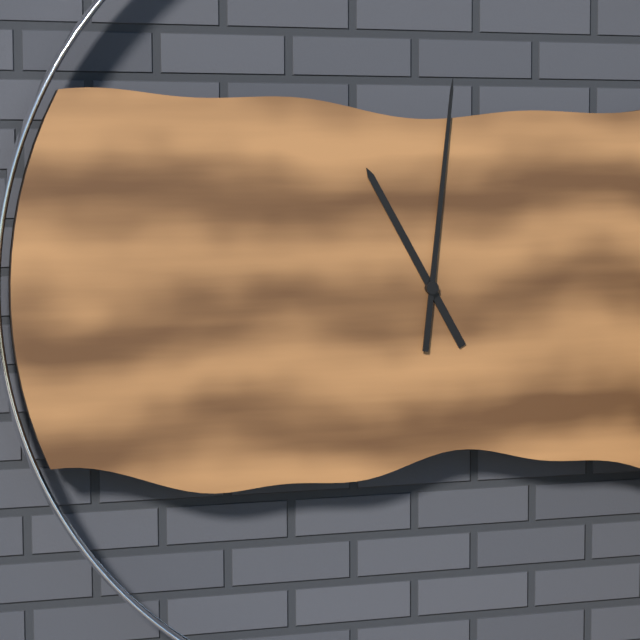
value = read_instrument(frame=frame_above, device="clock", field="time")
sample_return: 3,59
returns 11,01
